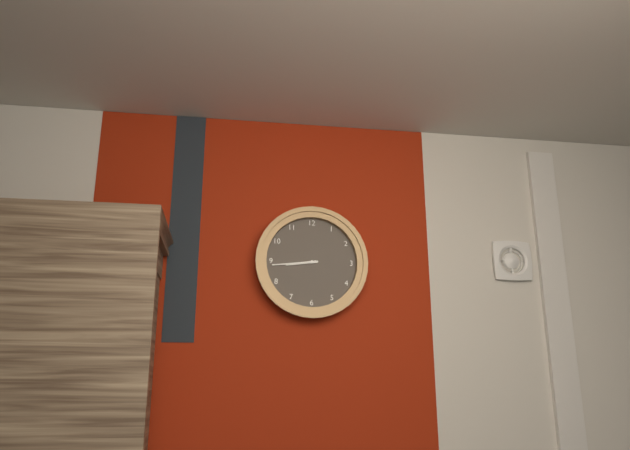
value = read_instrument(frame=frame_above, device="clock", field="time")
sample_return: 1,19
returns 8,44
